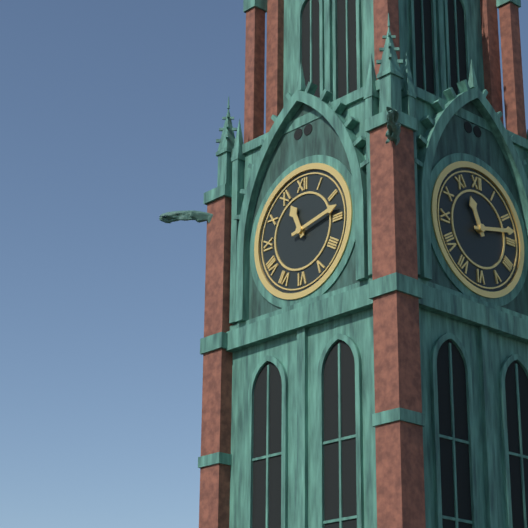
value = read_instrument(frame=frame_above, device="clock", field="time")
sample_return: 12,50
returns 11,13
